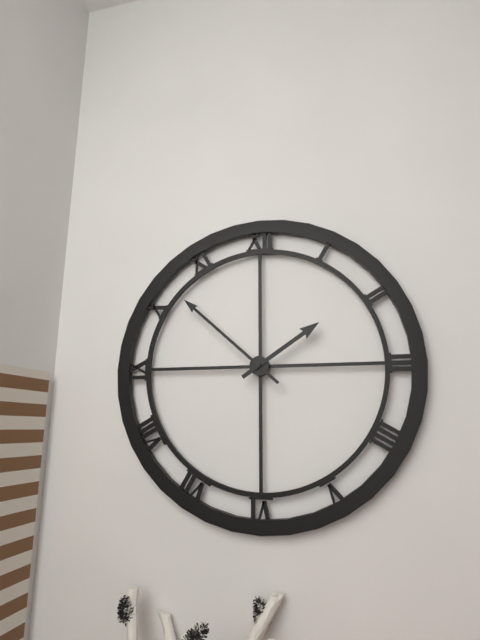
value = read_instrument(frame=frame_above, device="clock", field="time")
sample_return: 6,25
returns 1,52
